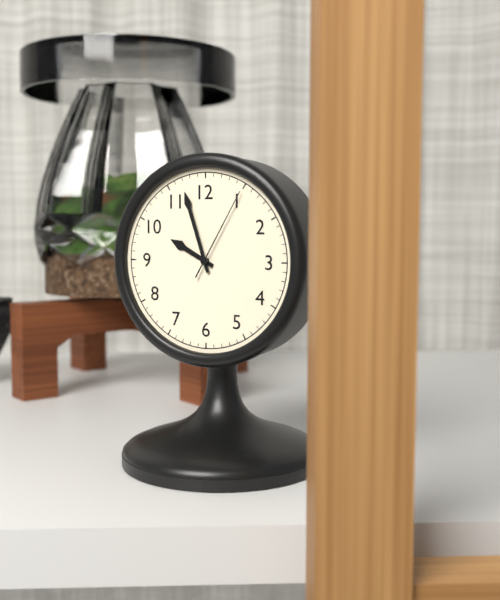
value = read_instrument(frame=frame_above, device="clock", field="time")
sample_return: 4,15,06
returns 9,57,05
